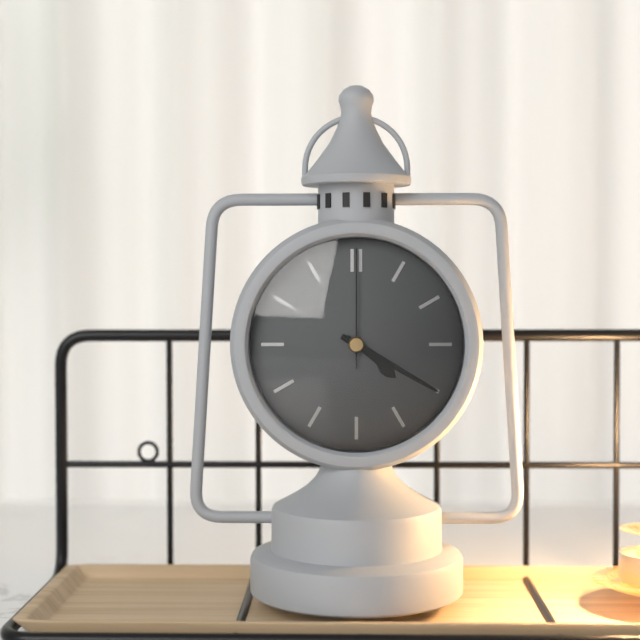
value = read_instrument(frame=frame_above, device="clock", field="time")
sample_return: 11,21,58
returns 4,20,00
